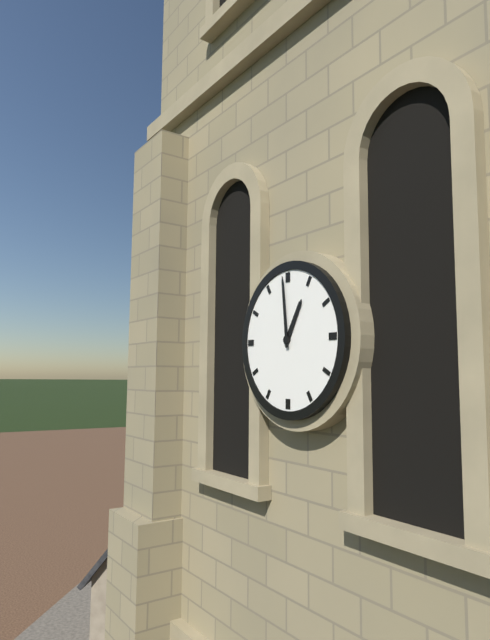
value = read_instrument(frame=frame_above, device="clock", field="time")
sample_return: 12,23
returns 12,59
